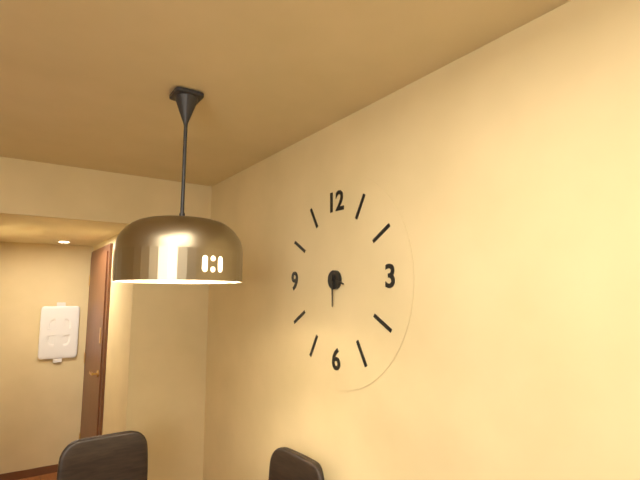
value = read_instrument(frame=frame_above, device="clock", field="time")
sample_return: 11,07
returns 3,30
